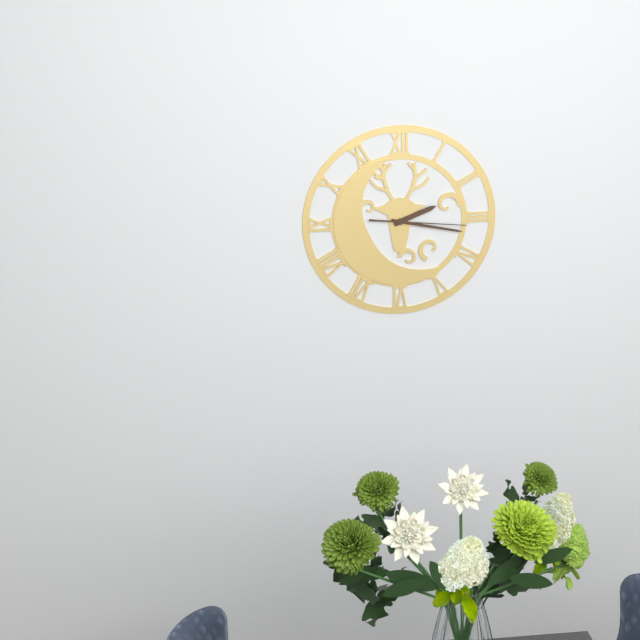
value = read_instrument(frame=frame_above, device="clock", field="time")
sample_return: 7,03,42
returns 2,17,16
